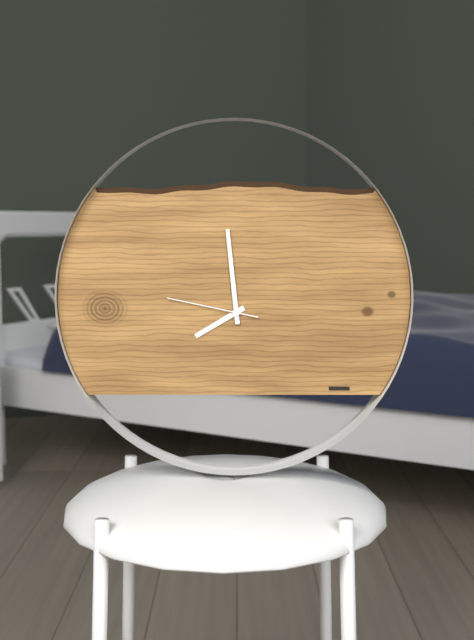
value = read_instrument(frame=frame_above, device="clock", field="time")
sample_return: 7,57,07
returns 7,59,47
